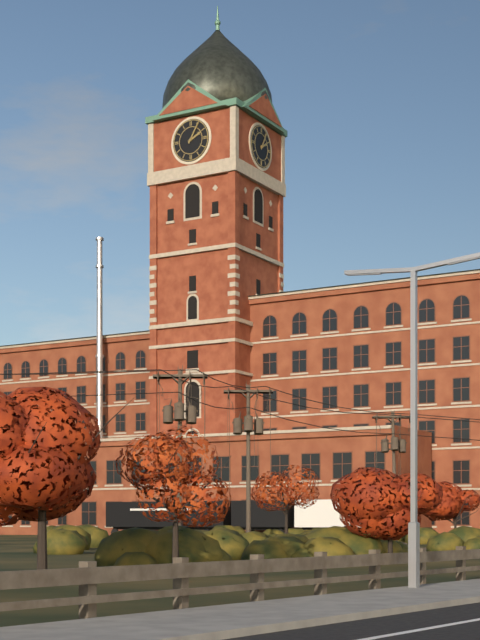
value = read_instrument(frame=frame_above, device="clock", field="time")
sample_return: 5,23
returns 2,05
